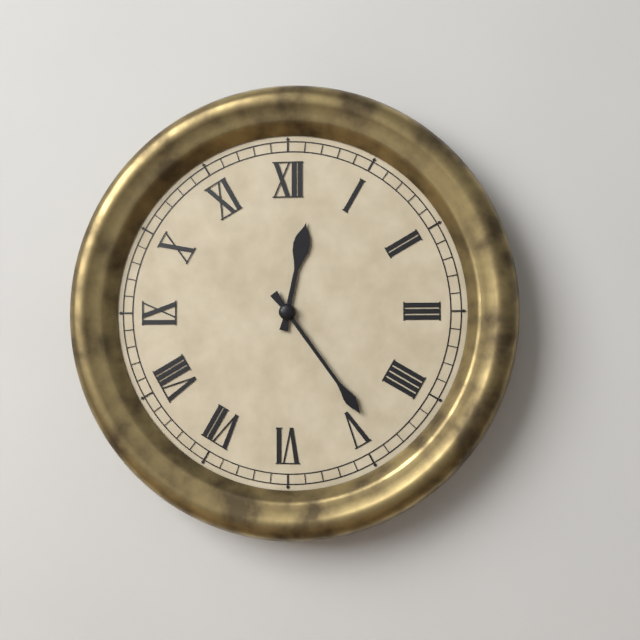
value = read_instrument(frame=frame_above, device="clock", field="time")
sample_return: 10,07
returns 12,24
